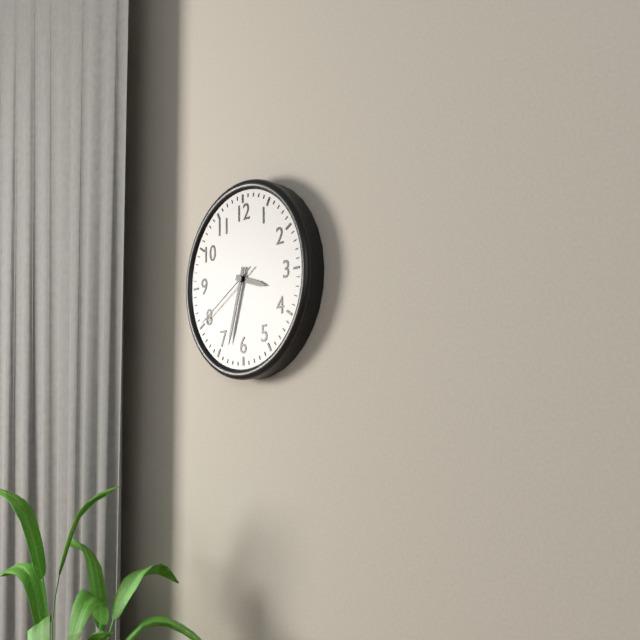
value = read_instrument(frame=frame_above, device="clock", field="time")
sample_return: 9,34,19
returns 3,33,40
